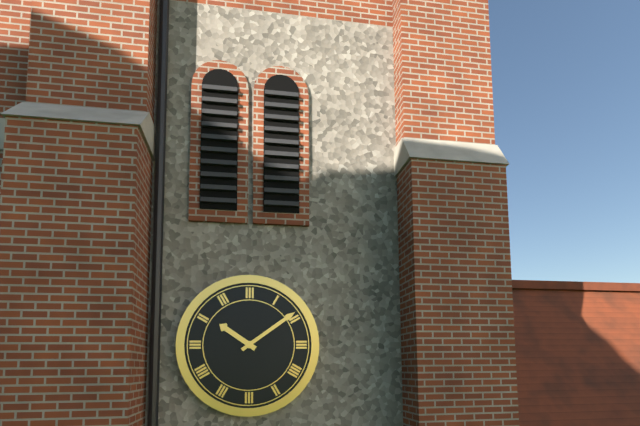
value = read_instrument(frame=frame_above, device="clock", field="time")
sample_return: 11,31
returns 10,09
